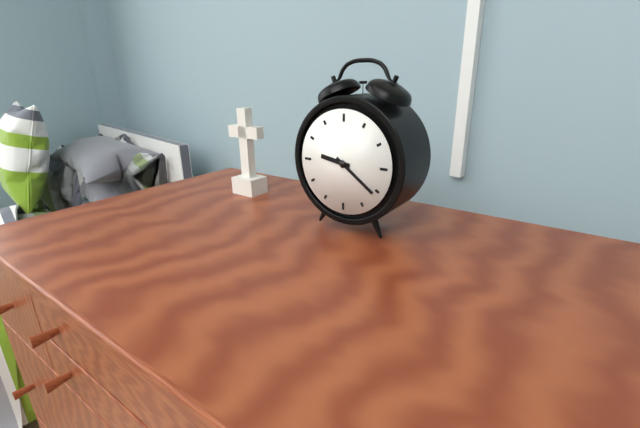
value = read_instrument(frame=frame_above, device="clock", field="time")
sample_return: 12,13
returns 9,21
